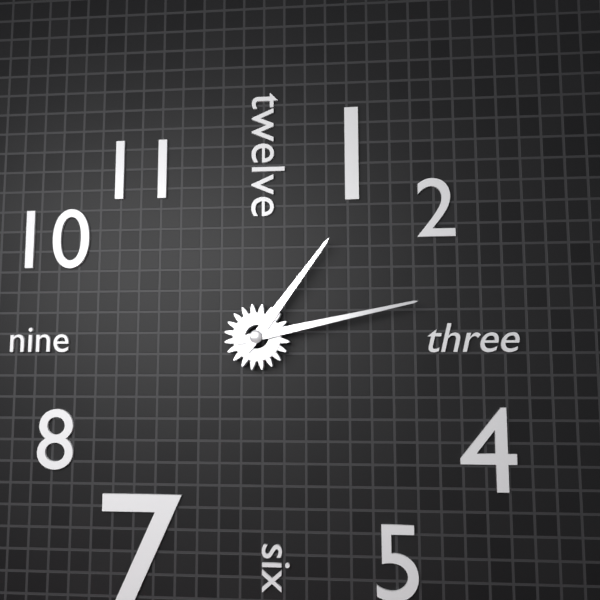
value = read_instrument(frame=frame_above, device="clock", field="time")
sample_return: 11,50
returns 1,13
